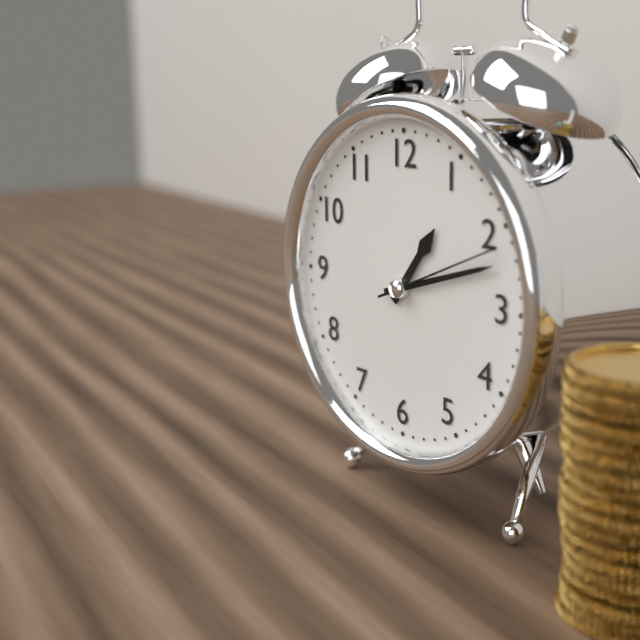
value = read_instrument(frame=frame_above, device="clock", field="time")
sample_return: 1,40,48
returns 1,12,11
